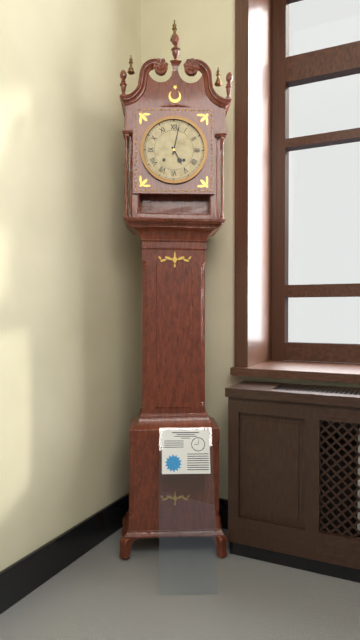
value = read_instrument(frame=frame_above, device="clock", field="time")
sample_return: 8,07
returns 5,02
